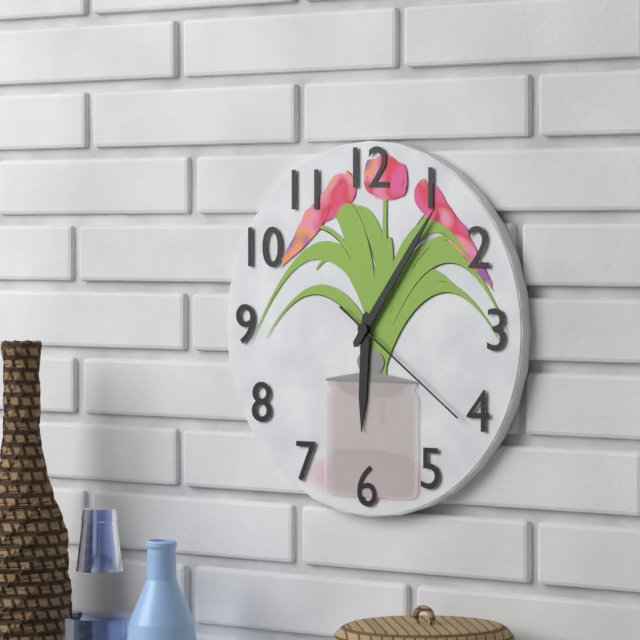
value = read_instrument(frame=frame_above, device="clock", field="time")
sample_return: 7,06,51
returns 6,06,21
